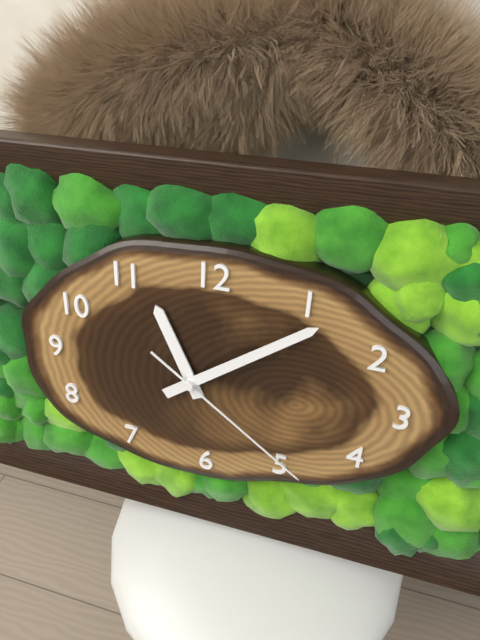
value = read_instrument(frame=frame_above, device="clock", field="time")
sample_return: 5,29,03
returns 11,09,21
